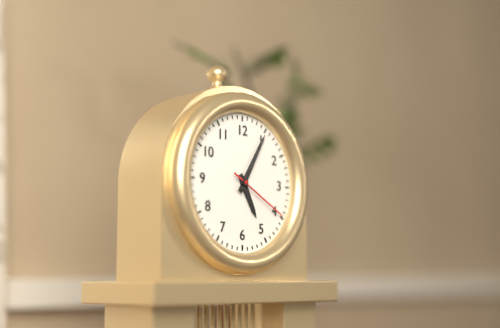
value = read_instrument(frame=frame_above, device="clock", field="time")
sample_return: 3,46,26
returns 5,05,20
